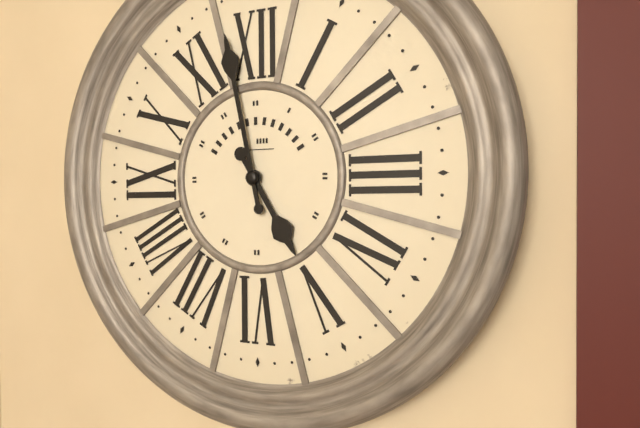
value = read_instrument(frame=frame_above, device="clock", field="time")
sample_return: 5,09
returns 4,58
